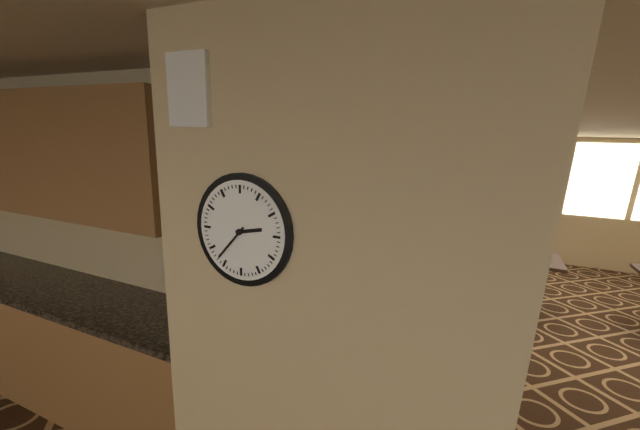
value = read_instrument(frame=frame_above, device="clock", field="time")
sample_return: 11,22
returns 2,37
